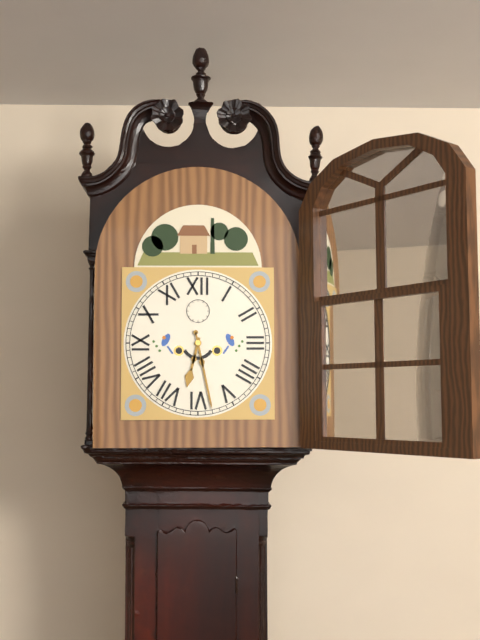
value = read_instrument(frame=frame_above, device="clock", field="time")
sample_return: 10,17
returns 6,28
